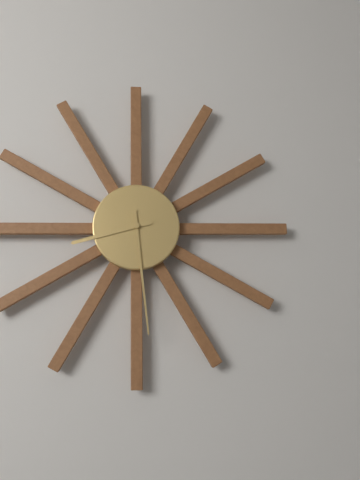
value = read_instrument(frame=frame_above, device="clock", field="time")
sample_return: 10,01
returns 8,29
